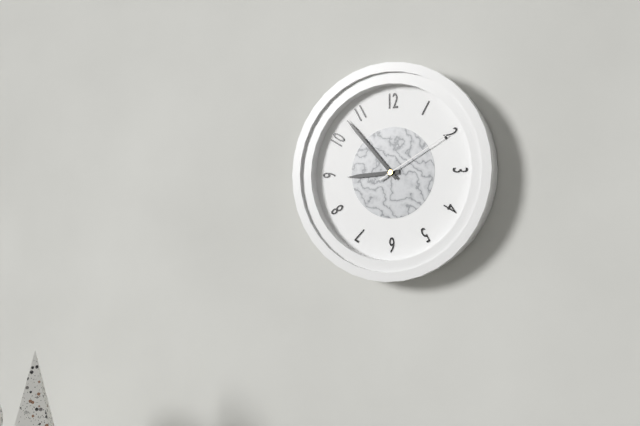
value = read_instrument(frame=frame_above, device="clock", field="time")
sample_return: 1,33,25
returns 8,53,10
